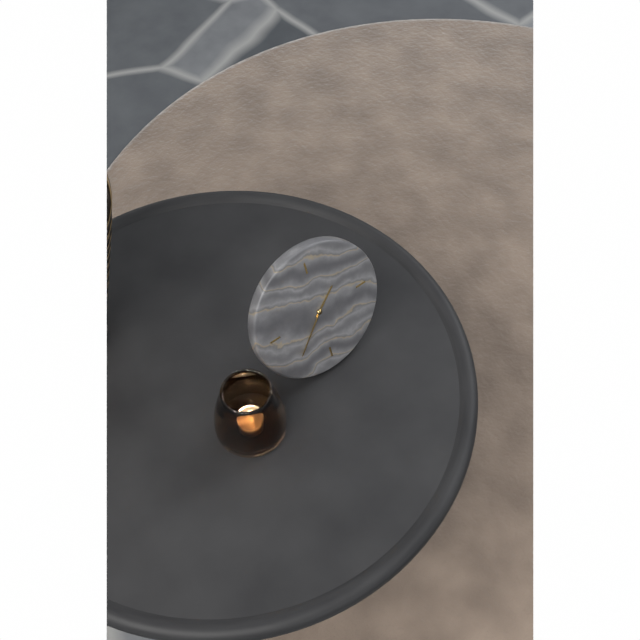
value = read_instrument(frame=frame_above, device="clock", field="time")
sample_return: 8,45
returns 1,37
